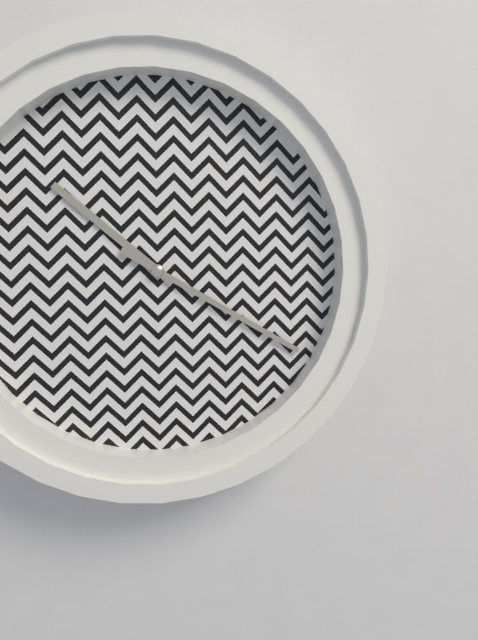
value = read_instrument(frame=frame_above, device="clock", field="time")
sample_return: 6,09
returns 10,20
